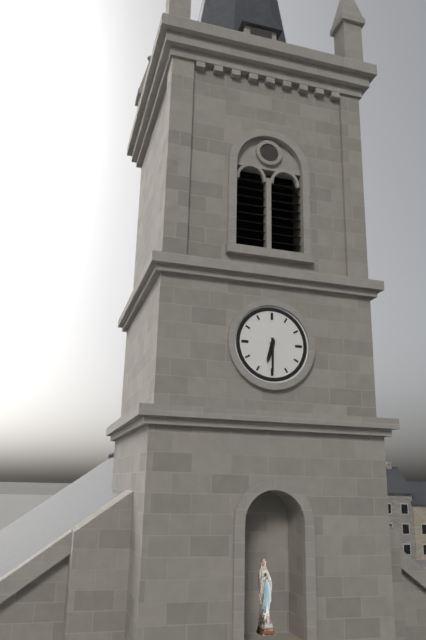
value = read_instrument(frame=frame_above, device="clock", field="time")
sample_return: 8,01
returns 6,30
